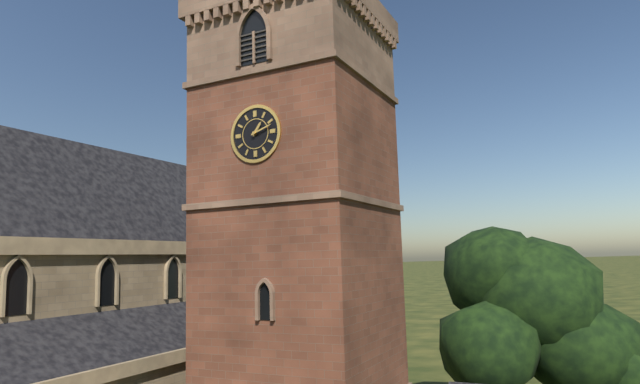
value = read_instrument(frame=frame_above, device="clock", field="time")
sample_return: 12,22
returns 1,12
